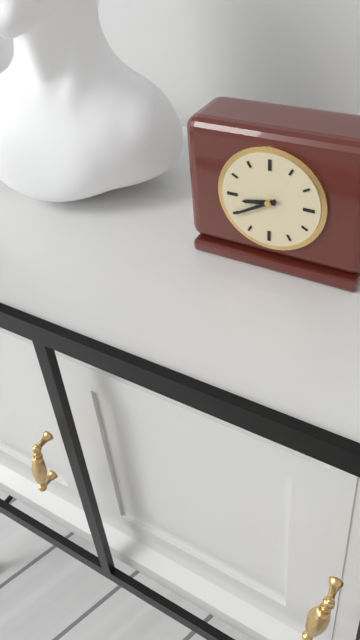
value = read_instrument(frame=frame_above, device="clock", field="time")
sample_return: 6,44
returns 8,40
